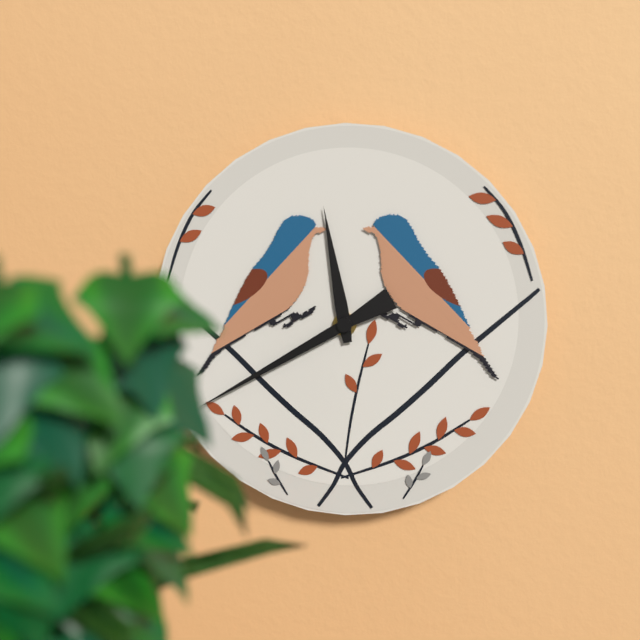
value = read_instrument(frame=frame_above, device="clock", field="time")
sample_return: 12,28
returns 11,40
